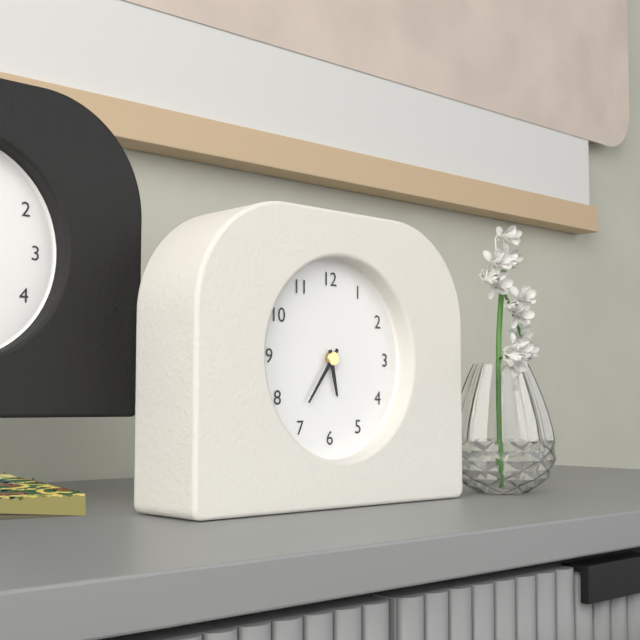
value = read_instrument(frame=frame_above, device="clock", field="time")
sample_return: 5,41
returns 5,36
